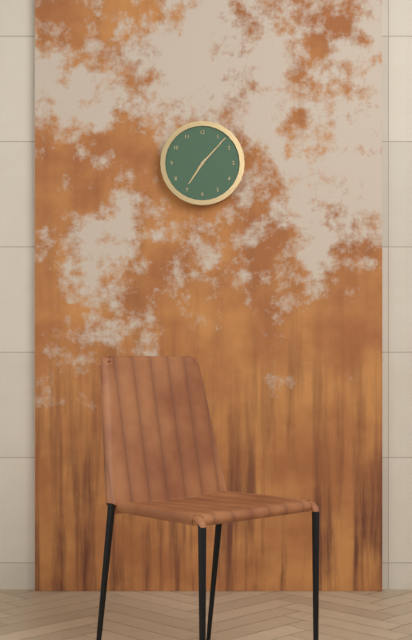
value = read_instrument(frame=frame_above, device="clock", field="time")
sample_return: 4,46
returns 7,07
